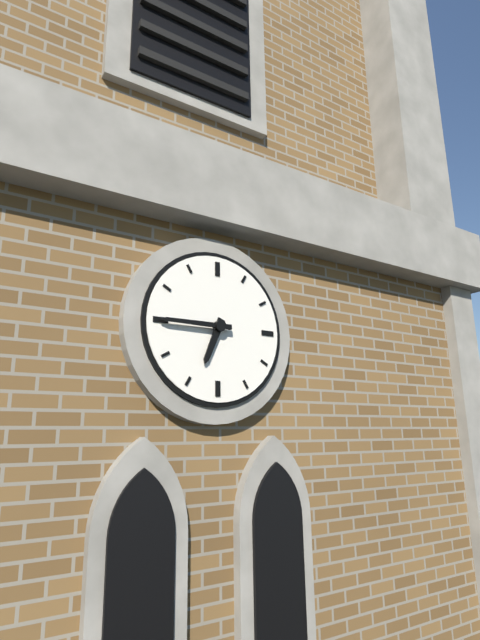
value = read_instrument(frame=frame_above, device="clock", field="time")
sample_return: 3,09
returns 6,45
